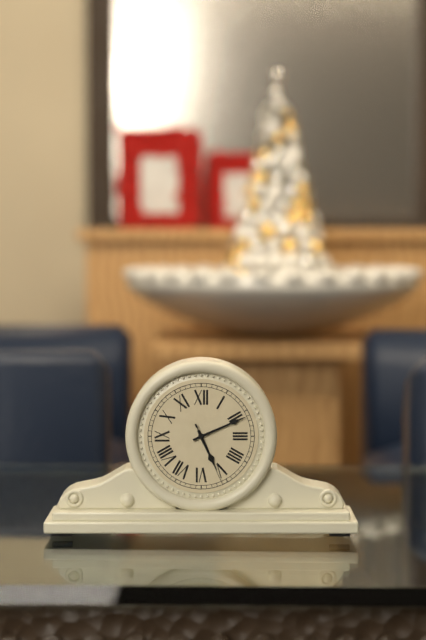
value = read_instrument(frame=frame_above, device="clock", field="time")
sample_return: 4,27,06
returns 5,11,26
